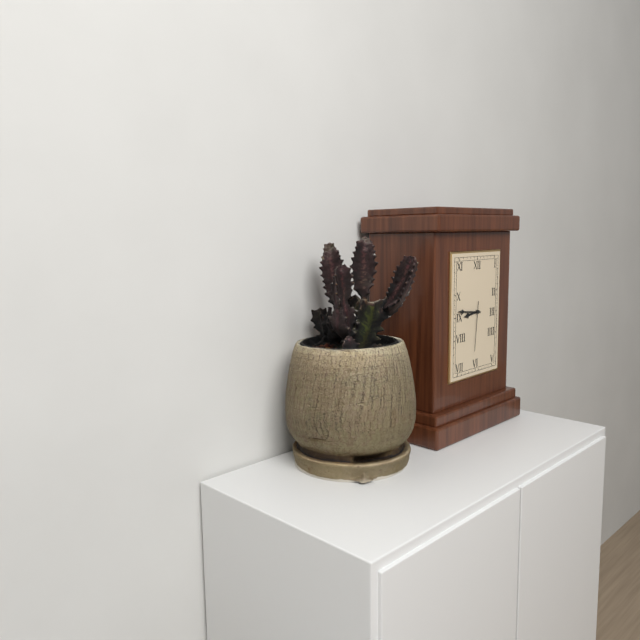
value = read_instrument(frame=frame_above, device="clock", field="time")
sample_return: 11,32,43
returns 8,46,31
